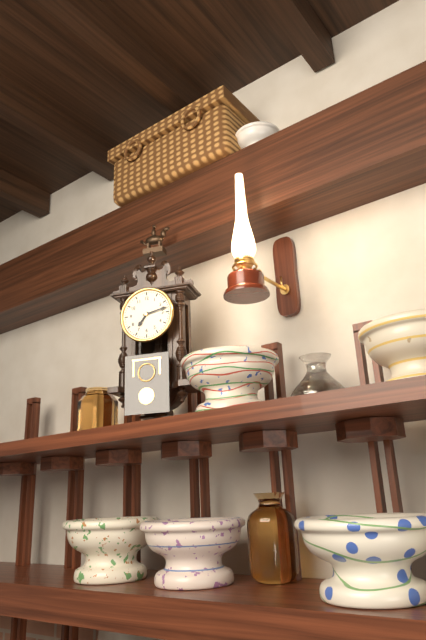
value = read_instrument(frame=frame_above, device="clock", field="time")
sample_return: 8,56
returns 7,13
